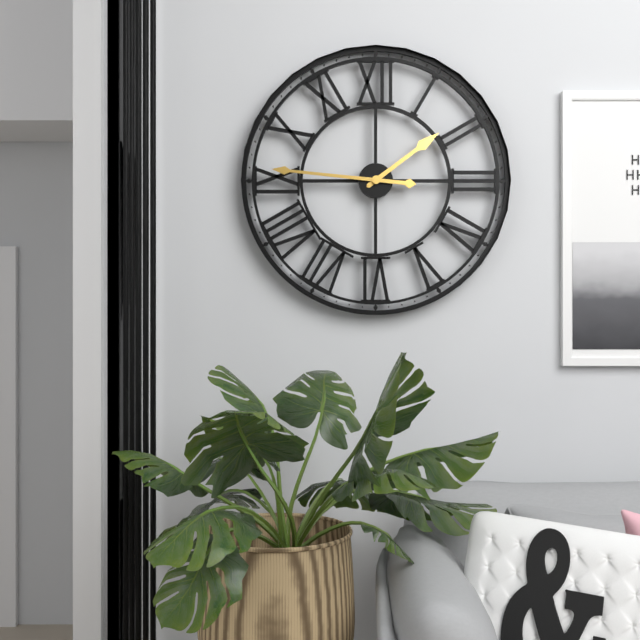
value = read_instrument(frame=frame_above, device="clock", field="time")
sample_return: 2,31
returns 1,46
